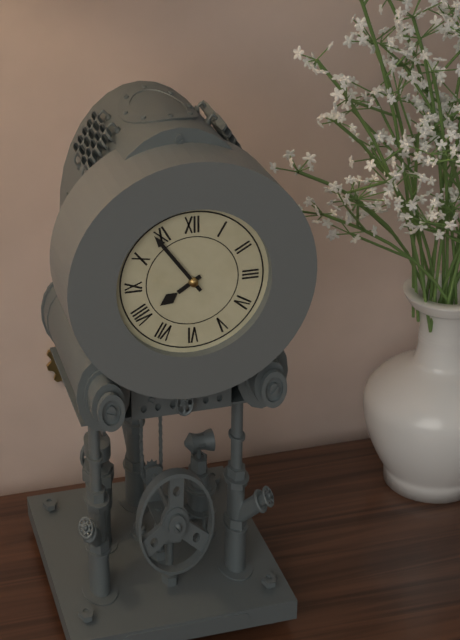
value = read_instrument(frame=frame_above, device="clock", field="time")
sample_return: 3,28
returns 7,54
